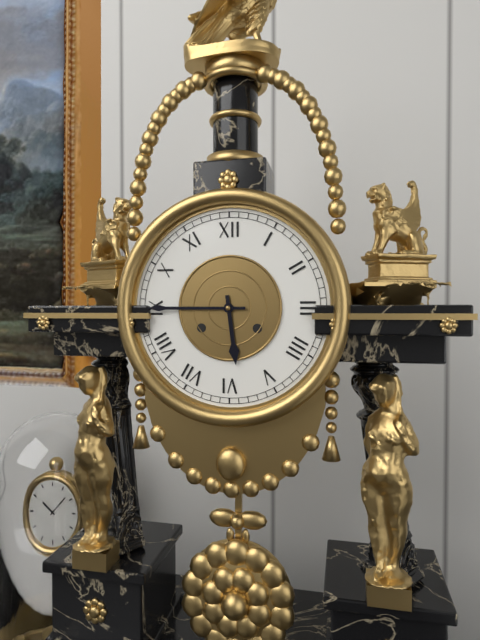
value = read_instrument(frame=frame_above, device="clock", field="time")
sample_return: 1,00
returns 5,45
